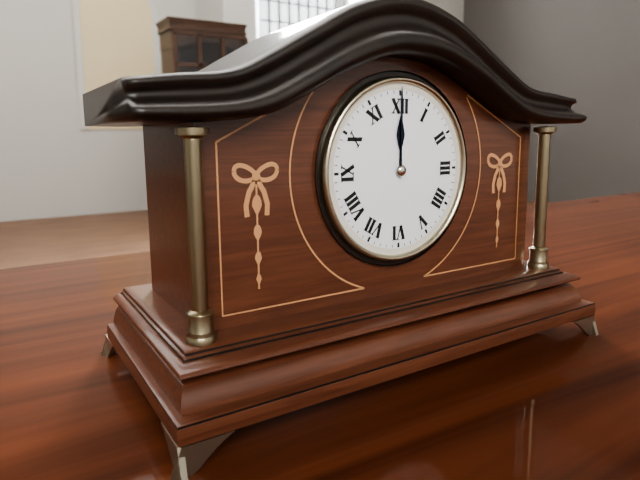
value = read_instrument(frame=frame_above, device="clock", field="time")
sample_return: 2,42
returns 12,00
